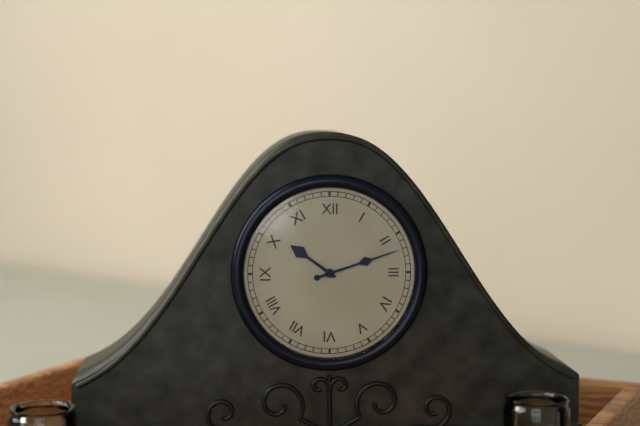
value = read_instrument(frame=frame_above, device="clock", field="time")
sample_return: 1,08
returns 10,12
